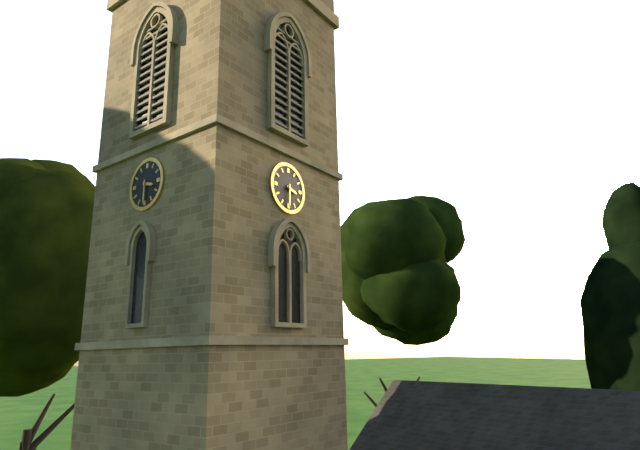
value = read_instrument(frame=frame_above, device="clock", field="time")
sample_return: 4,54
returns 3,30
